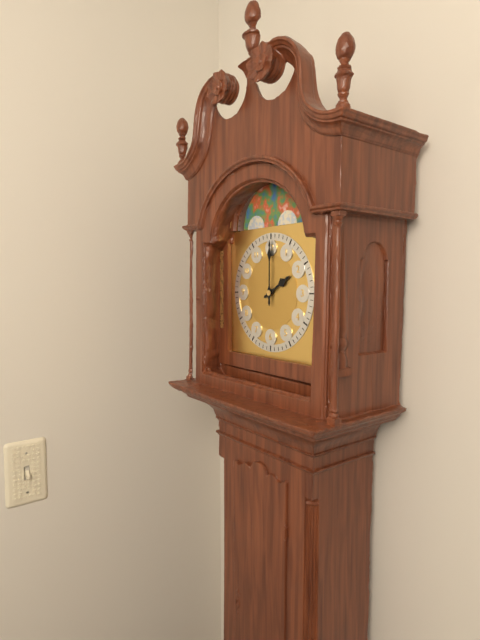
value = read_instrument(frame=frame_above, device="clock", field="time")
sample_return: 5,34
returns 2,00
